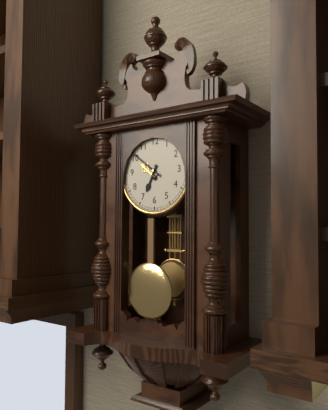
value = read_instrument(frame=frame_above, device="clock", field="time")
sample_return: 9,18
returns 6,51
